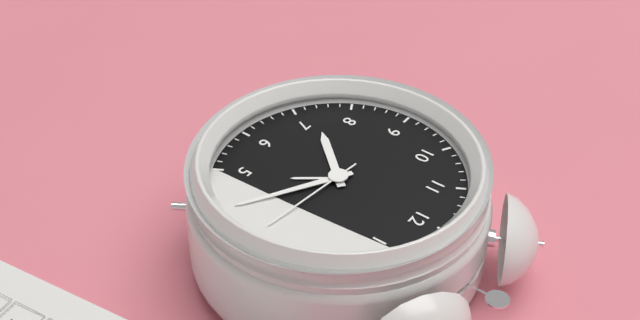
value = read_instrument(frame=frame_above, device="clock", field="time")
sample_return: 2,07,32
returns 7,20,16
